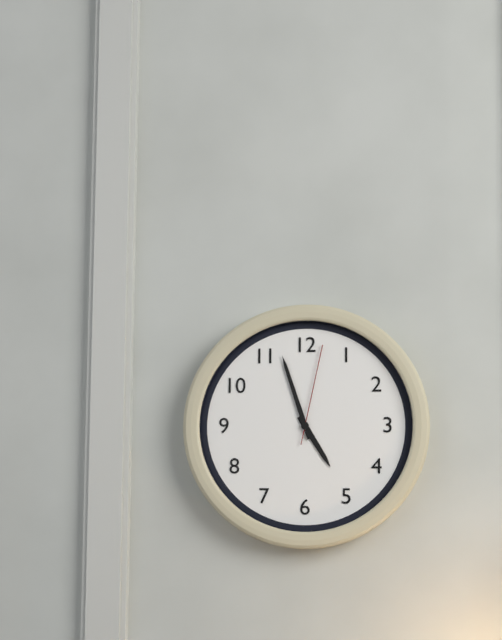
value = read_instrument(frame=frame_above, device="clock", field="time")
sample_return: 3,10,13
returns 4,57,02
